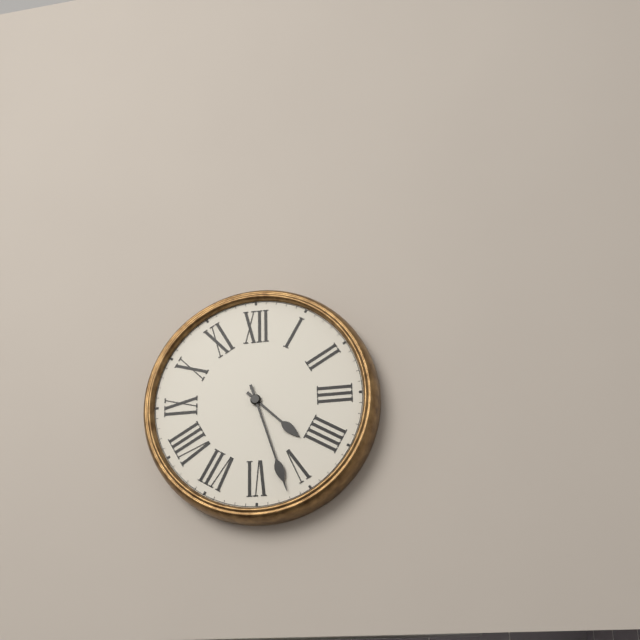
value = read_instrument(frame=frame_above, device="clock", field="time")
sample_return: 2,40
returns 4,27
